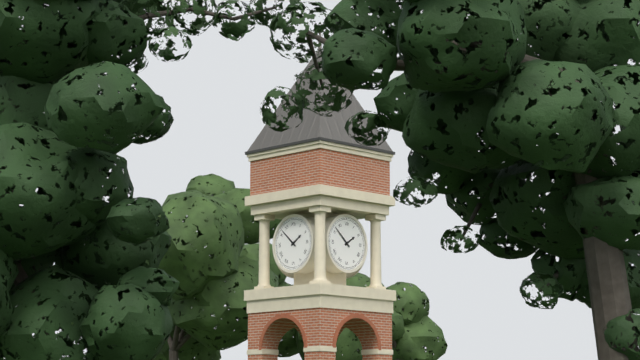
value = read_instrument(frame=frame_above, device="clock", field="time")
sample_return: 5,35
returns 1,52
